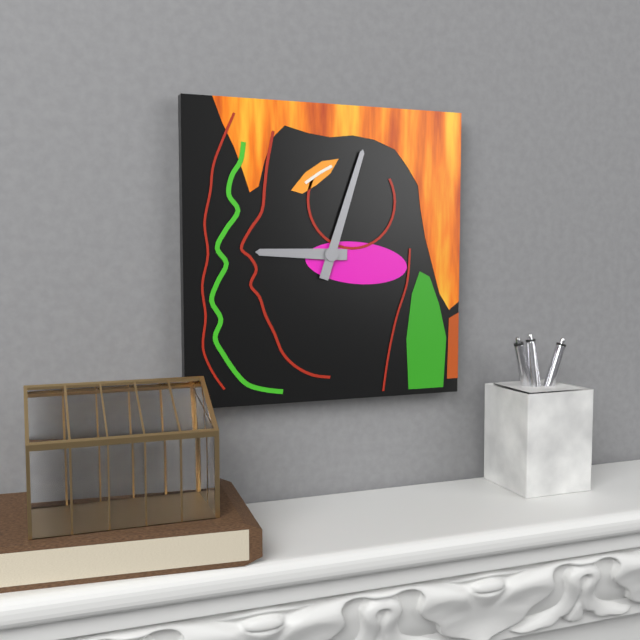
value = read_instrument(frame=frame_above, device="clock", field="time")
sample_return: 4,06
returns 9,03
